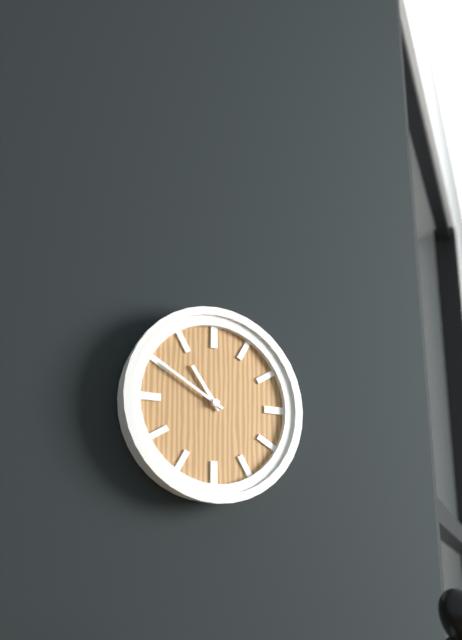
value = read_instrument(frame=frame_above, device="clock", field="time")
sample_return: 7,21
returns 10,50
